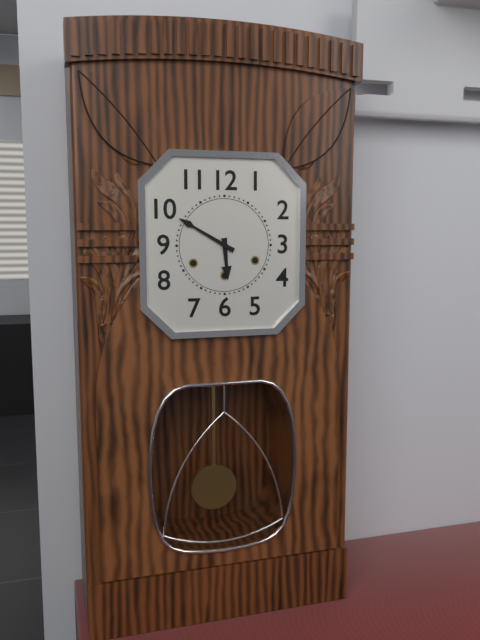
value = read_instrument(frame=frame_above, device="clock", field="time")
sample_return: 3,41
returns 5,50
